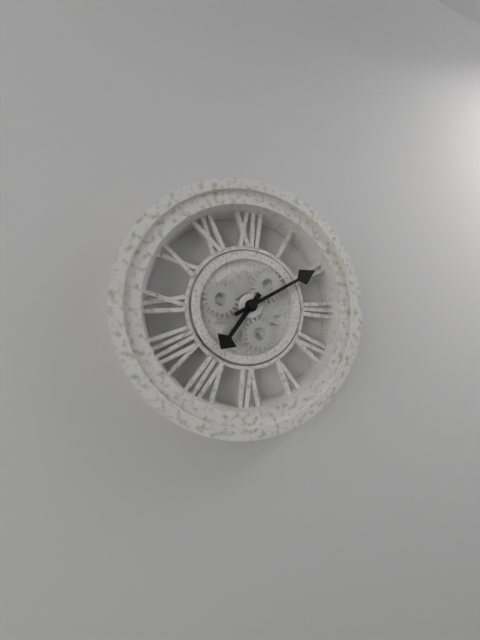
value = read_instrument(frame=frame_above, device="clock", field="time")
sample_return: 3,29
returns 7,10
